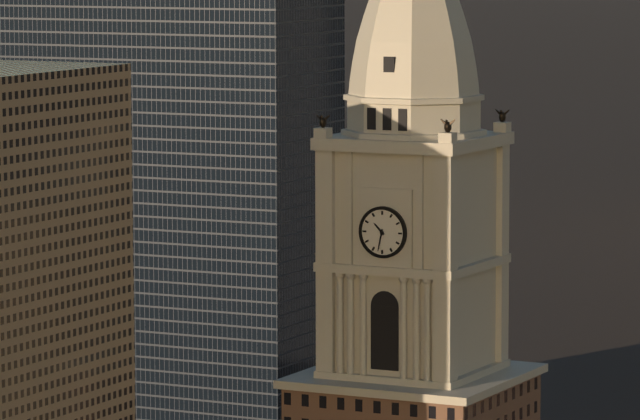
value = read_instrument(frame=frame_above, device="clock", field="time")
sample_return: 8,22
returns 10,32
